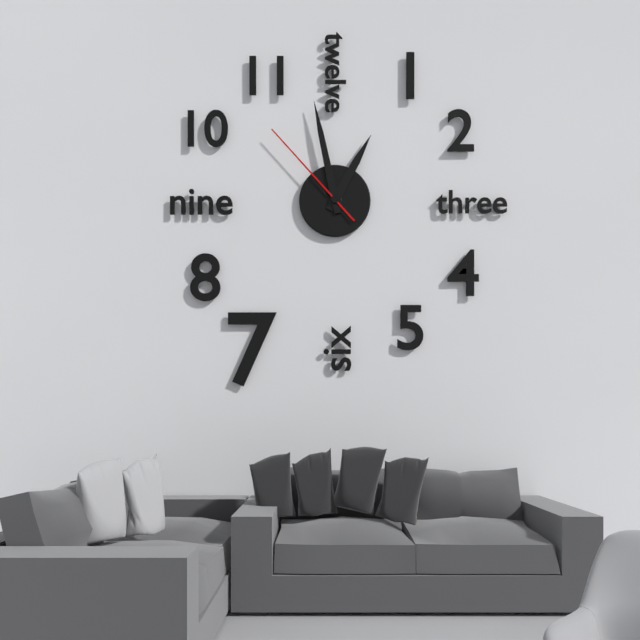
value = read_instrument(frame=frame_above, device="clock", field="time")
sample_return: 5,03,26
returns 12,58,53
